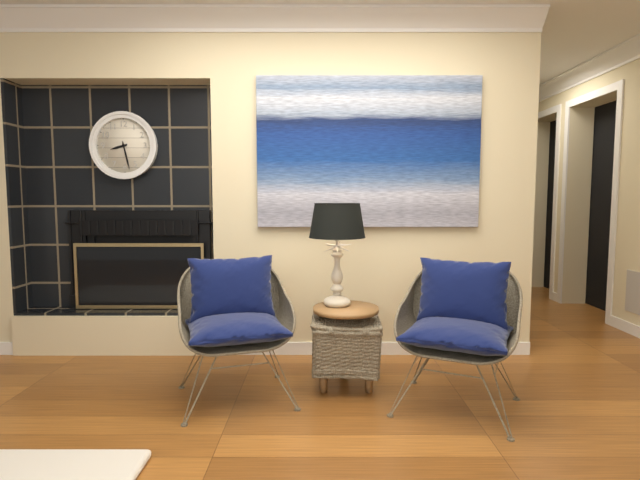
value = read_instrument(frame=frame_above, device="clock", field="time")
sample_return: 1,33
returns 8,28
